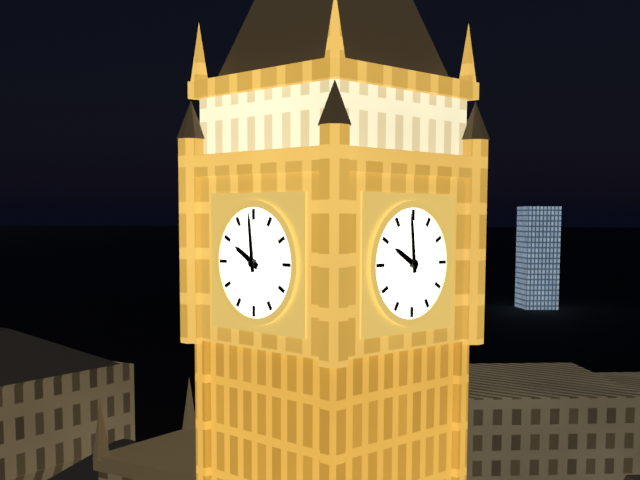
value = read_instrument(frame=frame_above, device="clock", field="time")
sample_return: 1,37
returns 9,59
